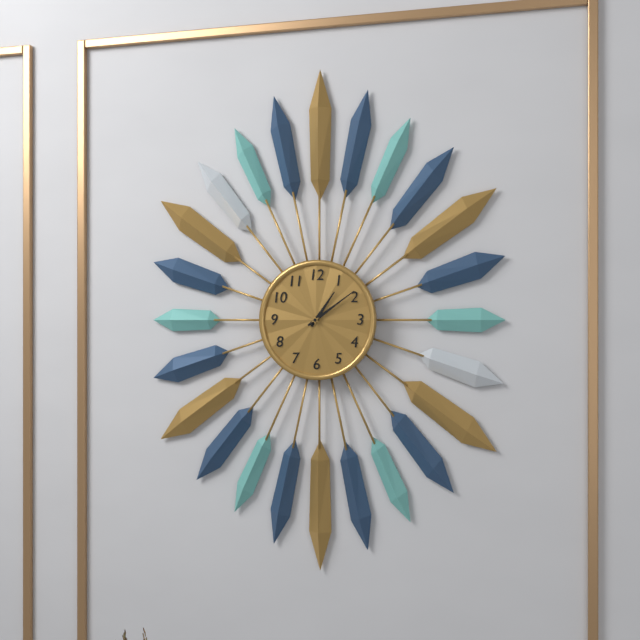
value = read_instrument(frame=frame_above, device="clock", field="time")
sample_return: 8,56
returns 1,09
